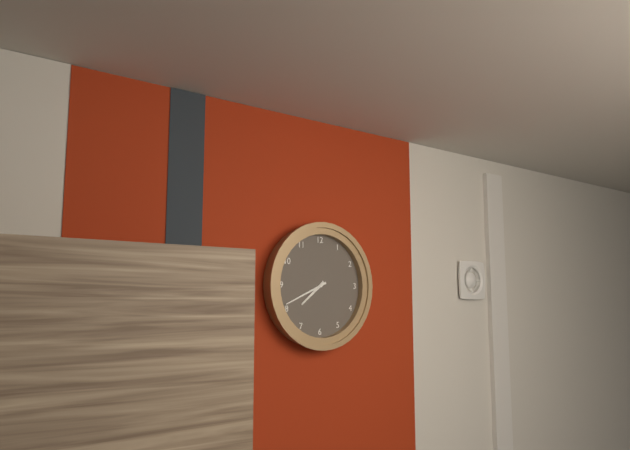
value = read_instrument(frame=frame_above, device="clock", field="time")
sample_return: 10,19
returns 7,41
